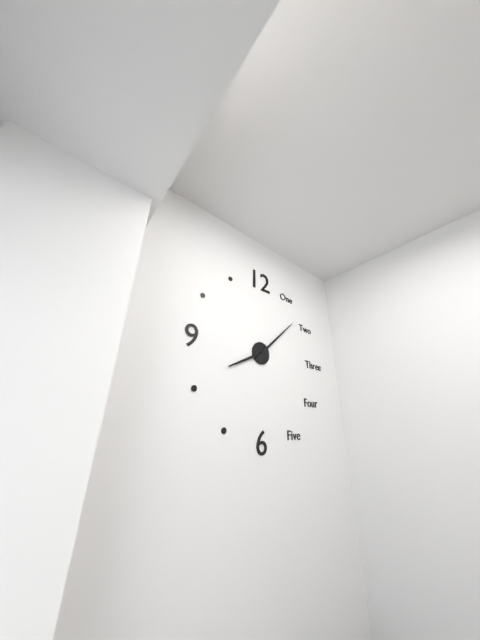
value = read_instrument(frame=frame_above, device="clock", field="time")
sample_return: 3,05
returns 8,08
